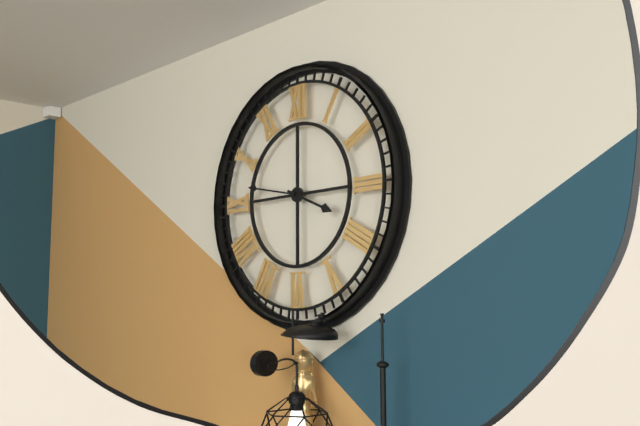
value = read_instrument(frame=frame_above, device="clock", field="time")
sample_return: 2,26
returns 3,47
